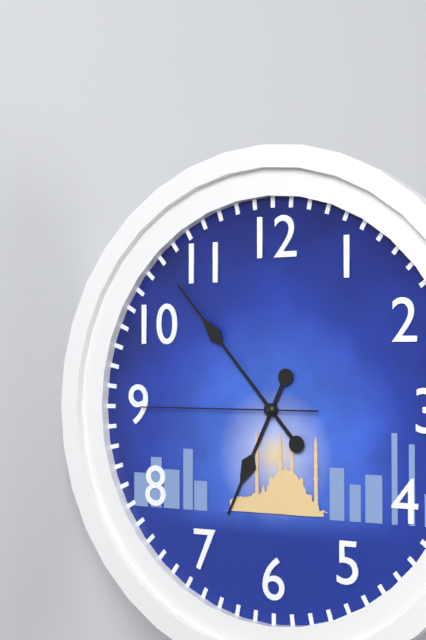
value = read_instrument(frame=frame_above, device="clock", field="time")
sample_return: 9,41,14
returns 6,53,45
